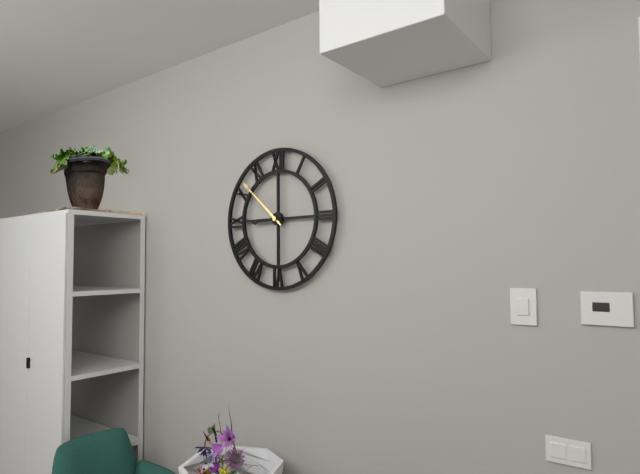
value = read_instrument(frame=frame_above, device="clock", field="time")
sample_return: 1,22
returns 8,52
